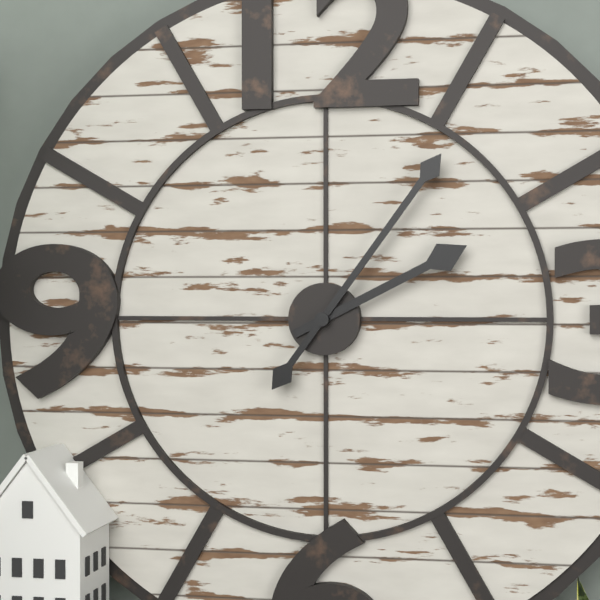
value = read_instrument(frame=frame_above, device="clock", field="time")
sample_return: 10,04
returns 2,06
